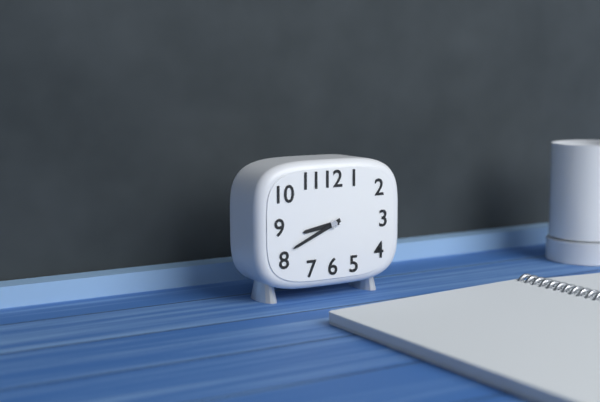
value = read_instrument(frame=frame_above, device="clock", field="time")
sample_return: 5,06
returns 8,41
